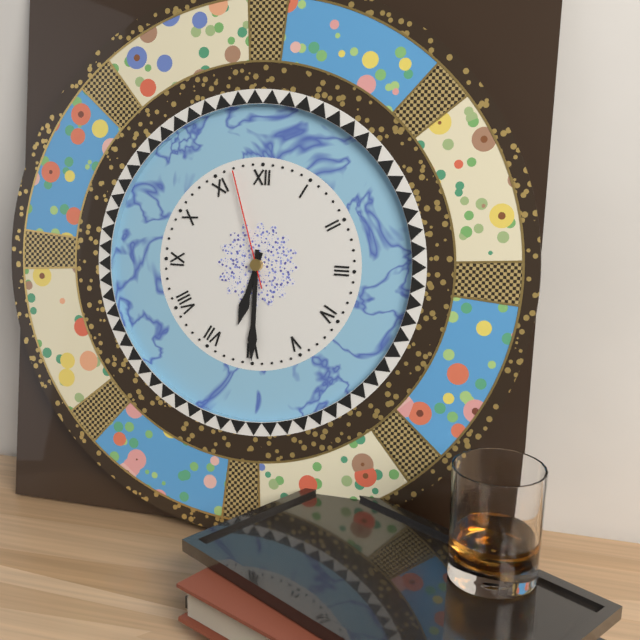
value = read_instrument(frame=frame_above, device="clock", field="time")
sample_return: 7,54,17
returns 6,30,57
